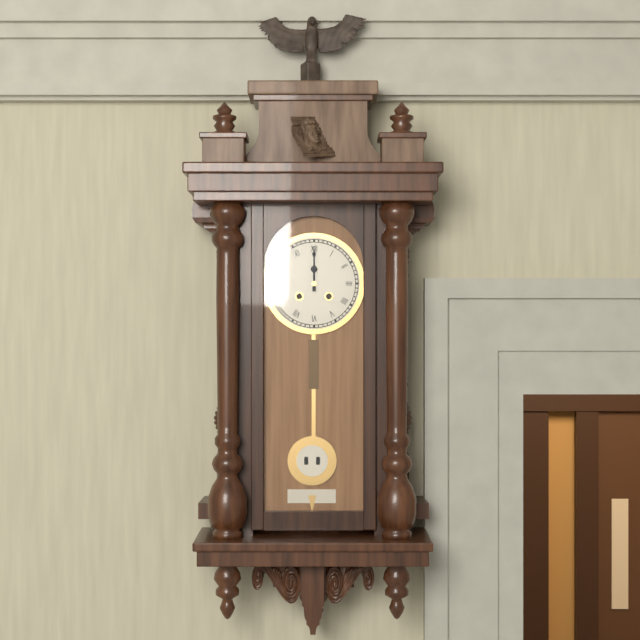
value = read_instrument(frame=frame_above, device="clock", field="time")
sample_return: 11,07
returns 12,00
